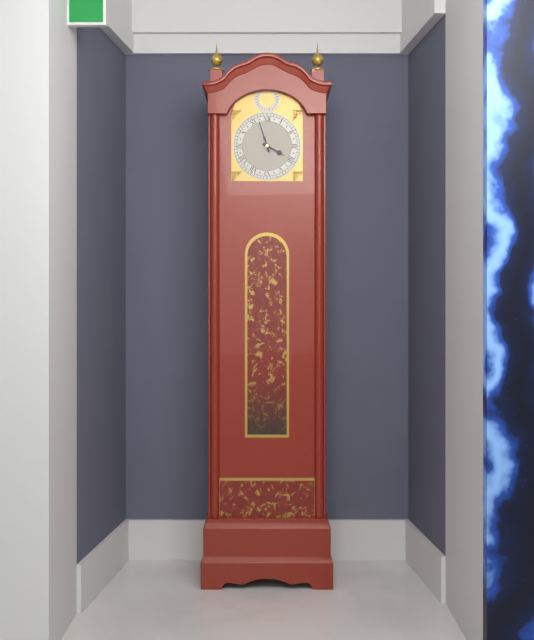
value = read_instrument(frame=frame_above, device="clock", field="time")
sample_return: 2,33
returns 3,57
